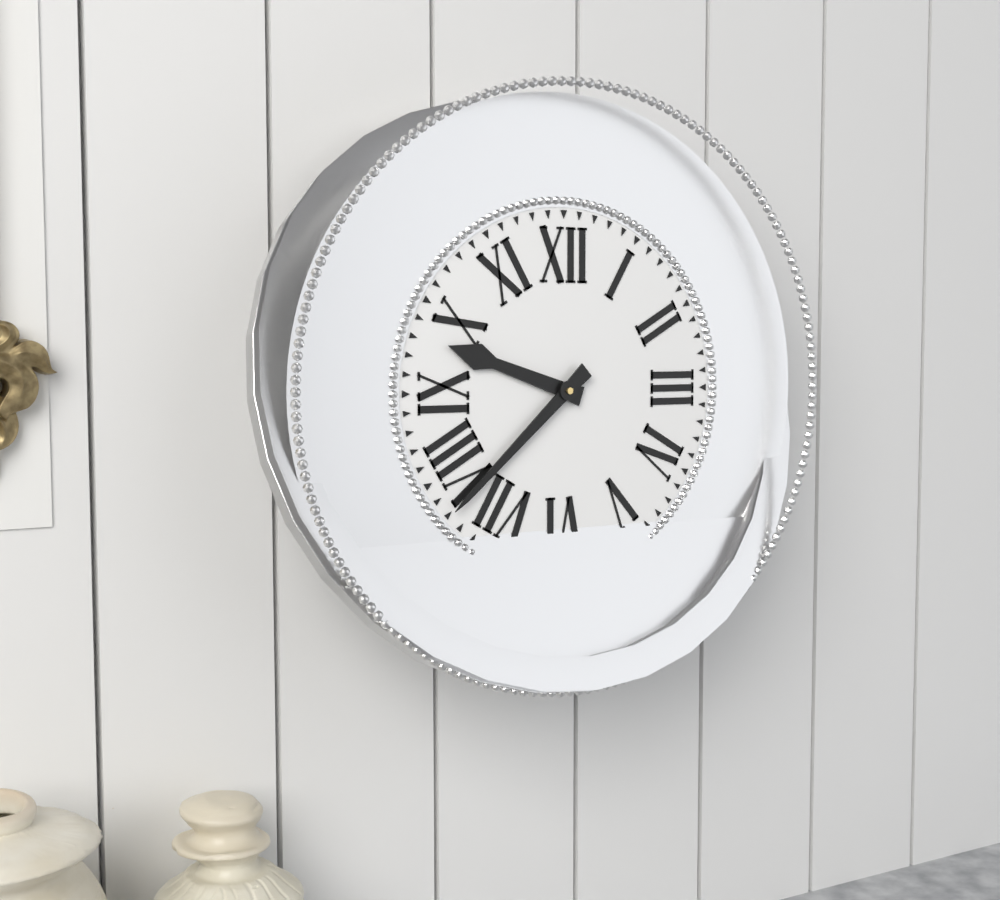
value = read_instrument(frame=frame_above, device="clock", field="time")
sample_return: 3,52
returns 9,38
